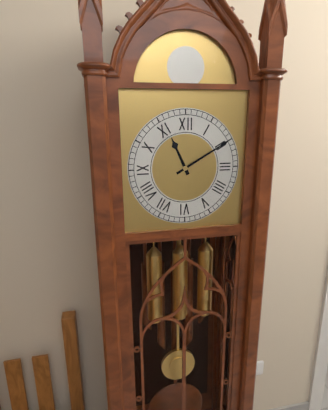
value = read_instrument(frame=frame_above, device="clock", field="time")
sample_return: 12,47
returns 11,10
